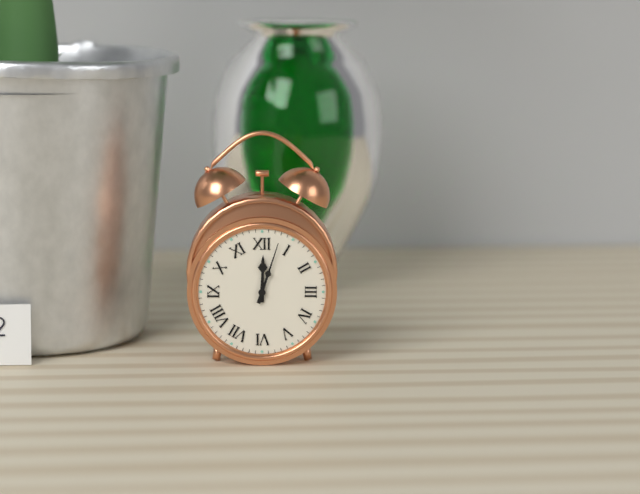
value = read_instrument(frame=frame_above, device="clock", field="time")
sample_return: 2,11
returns 12,03
